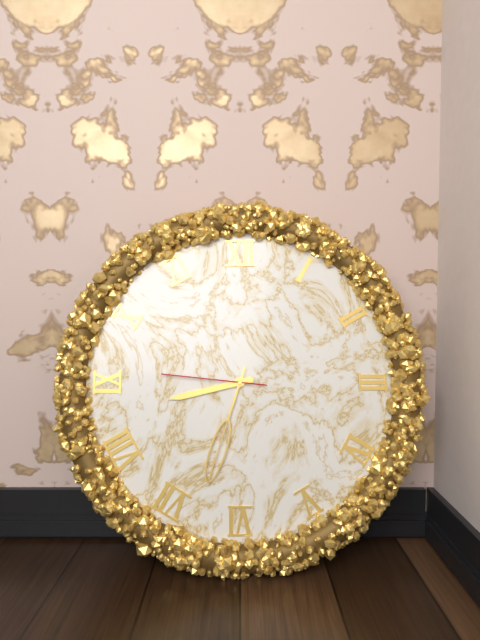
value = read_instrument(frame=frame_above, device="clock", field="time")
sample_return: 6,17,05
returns 8,33,46
